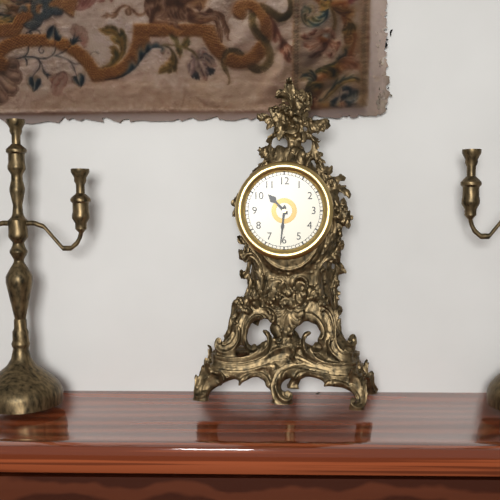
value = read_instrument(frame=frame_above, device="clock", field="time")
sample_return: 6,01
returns 10,31
